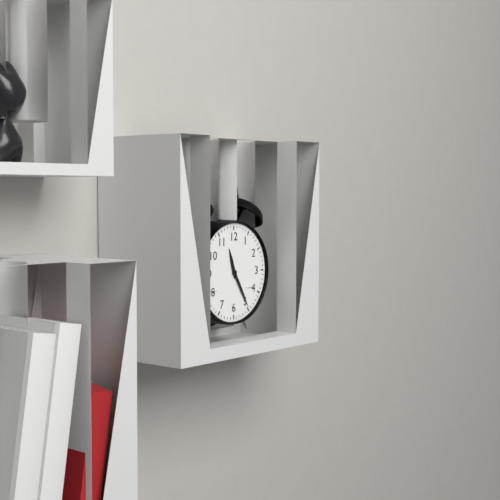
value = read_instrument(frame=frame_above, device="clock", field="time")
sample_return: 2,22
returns 11,25
